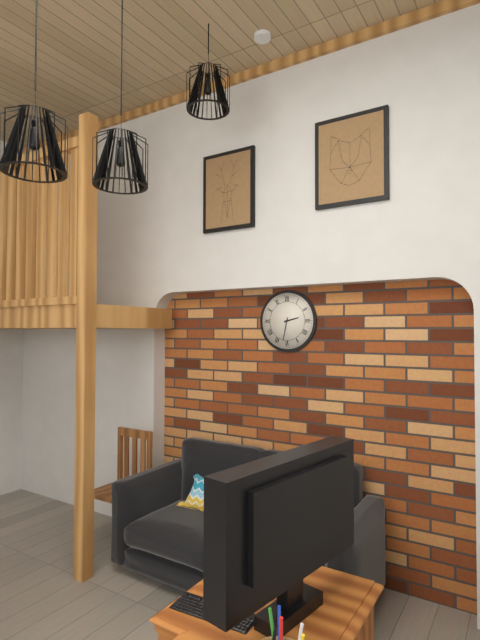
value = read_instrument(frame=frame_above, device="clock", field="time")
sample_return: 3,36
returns 2,32
